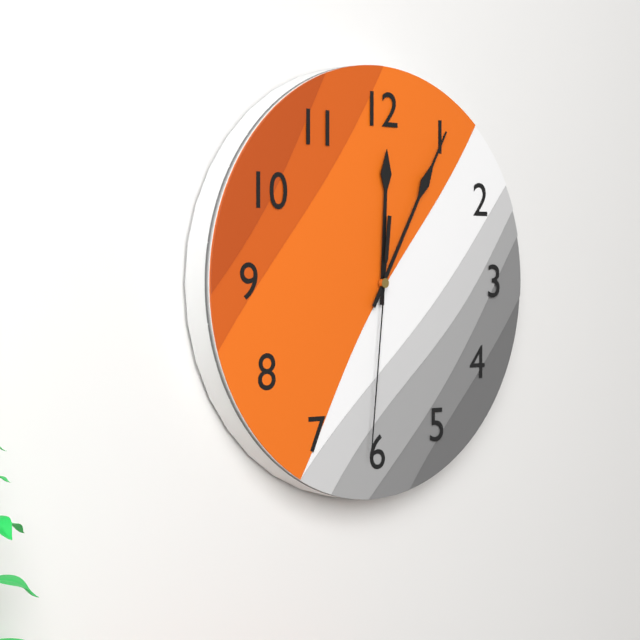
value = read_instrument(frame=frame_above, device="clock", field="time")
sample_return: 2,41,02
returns 12,05,31
